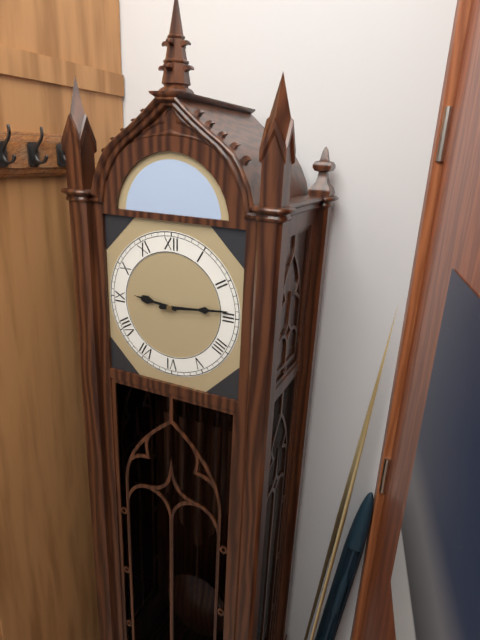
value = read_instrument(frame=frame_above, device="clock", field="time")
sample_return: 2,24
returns 9,14
